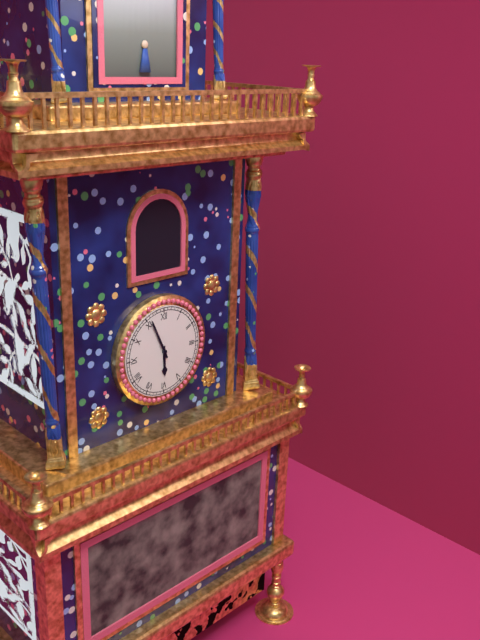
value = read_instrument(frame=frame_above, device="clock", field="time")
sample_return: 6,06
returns 5,56
